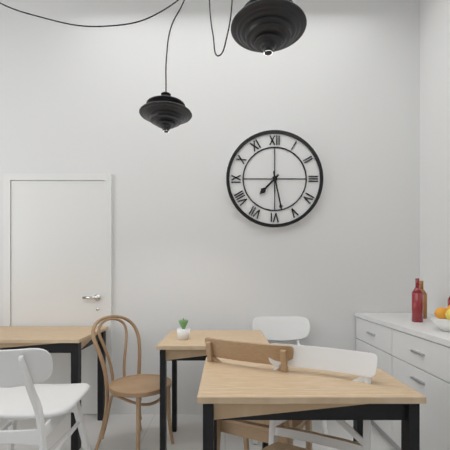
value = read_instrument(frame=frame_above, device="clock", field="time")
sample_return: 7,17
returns 7,28
